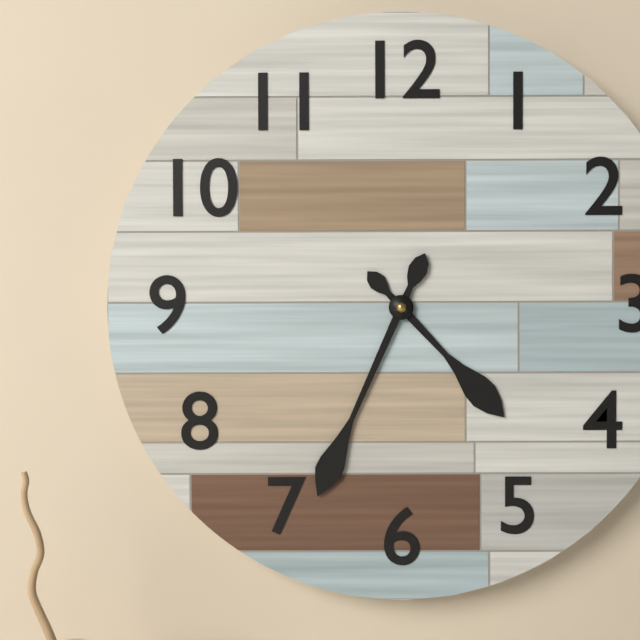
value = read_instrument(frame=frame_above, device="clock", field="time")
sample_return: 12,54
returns 4,34
